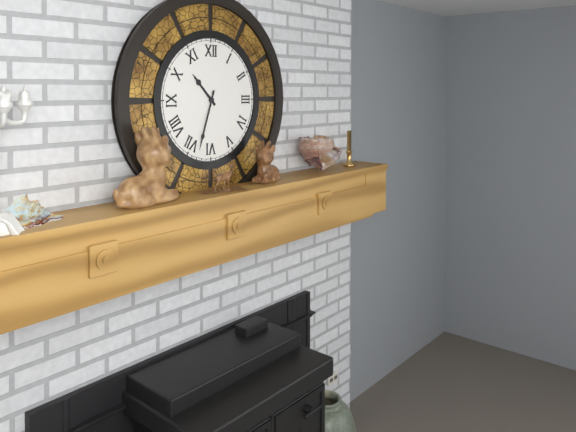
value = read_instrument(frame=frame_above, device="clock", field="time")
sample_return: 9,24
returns 10,33
